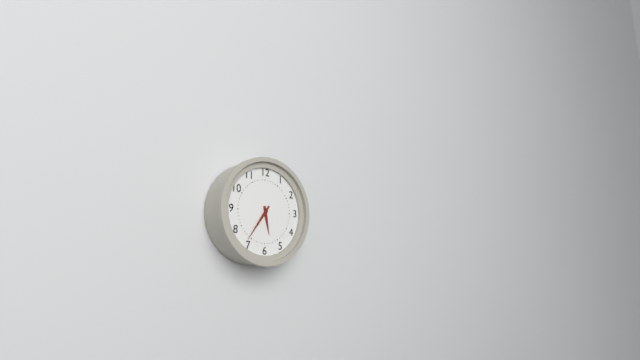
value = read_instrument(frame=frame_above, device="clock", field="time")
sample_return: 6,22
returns 5,36
